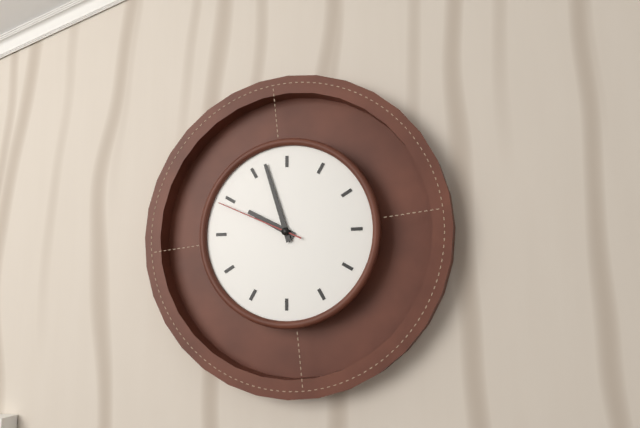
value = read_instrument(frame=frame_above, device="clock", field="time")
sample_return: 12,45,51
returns 9,57,49
